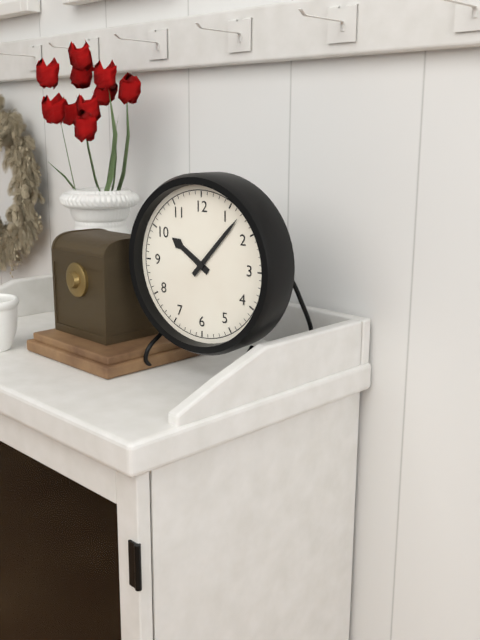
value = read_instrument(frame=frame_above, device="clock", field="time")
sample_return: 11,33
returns 10,07
